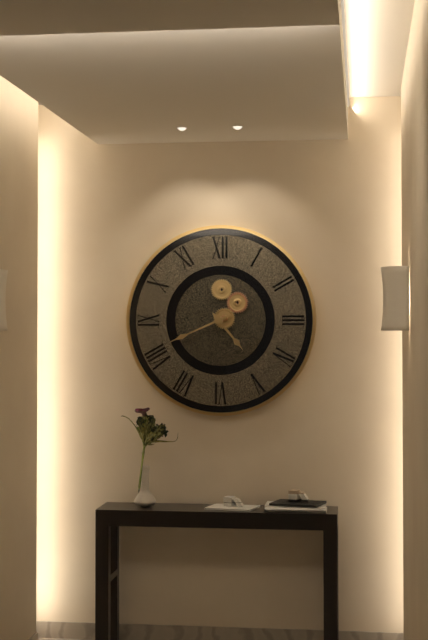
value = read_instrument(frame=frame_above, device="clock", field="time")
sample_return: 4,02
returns 4,41
